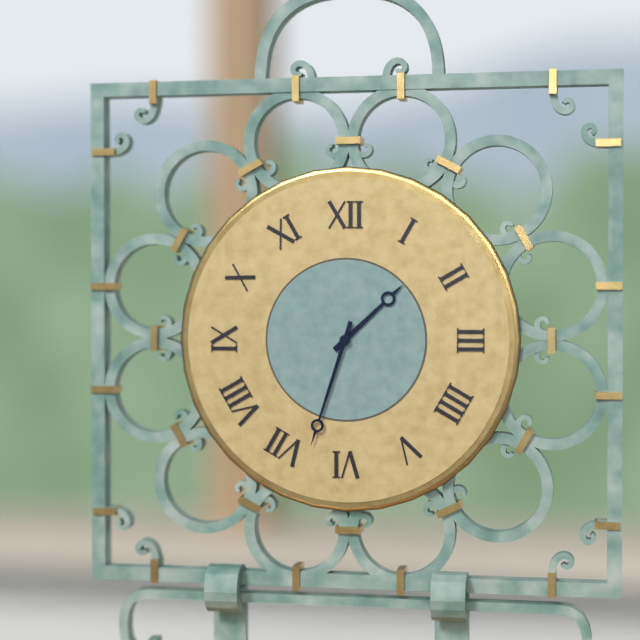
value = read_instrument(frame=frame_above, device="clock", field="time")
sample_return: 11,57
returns 1,33
